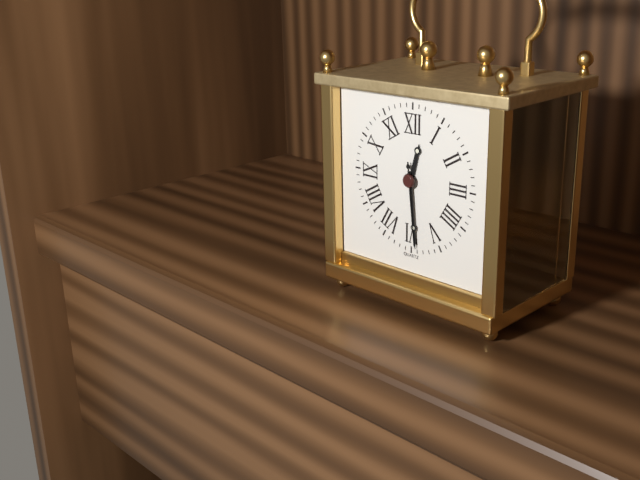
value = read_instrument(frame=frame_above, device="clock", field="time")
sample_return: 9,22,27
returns 12,29,29
